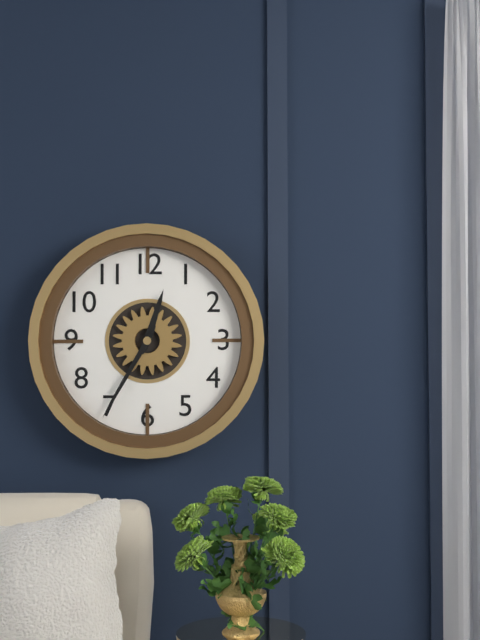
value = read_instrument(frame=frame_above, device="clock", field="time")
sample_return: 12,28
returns 12,35
